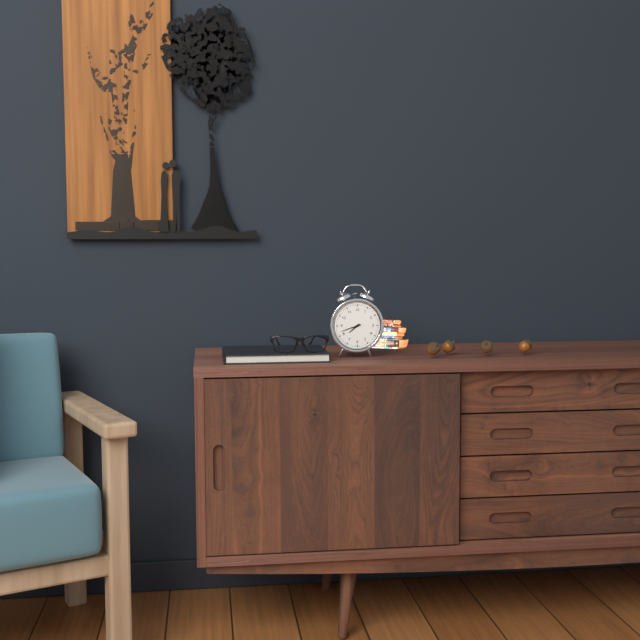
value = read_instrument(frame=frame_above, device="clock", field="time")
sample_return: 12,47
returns 7,42
